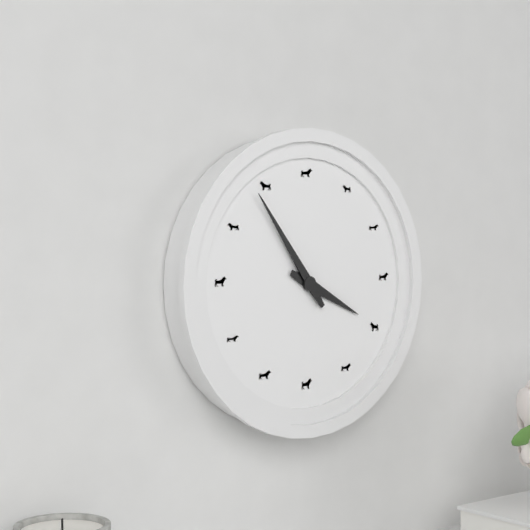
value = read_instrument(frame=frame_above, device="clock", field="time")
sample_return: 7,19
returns 3,54
